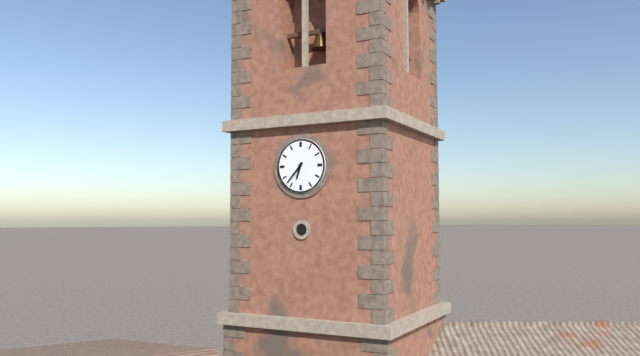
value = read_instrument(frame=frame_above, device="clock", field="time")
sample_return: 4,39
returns 6,37
